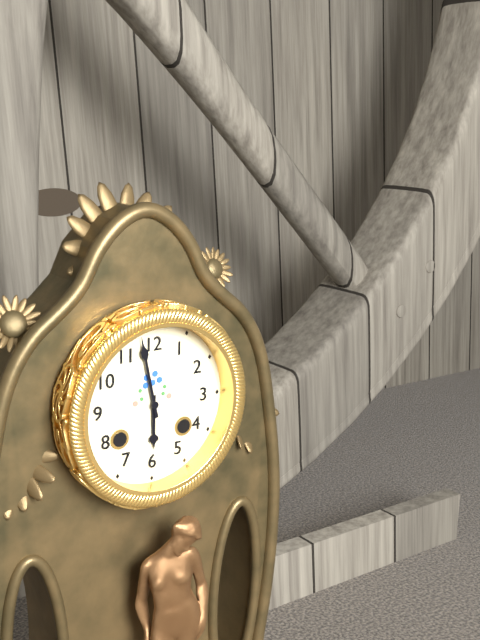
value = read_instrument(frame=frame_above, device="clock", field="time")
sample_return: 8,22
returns 5,58
